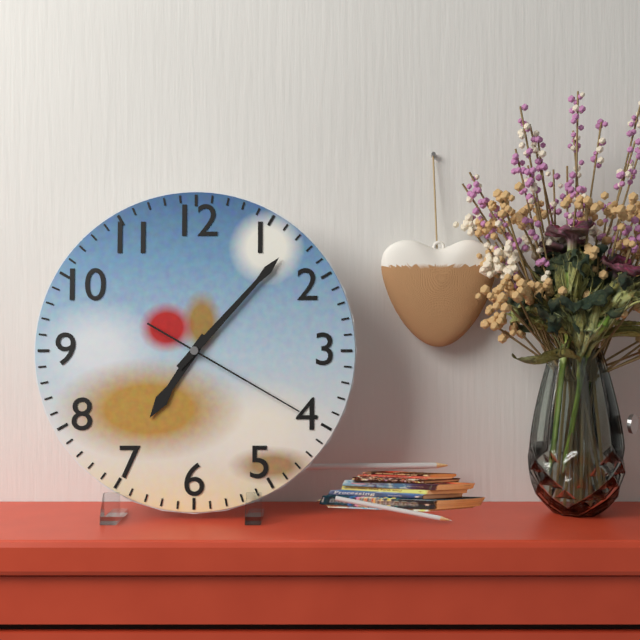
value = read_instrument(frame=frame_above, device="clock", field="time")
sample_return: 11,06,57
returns 7,07,20
